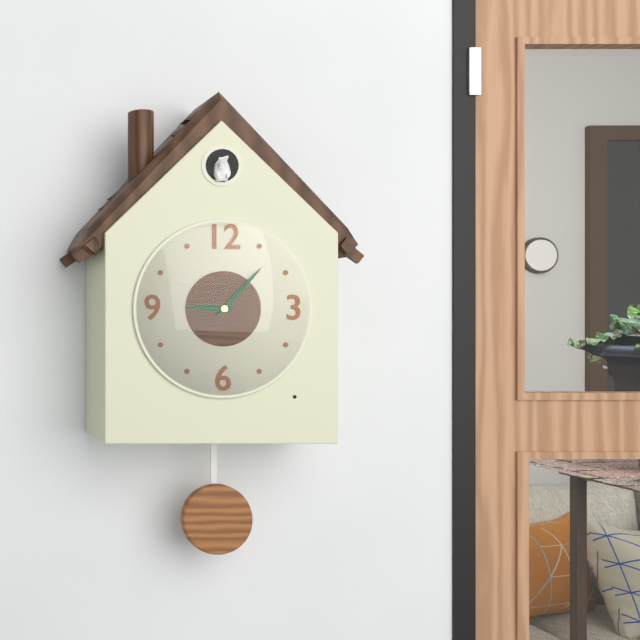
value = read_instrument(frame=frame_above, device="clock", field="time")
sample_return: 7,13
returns 9,07
